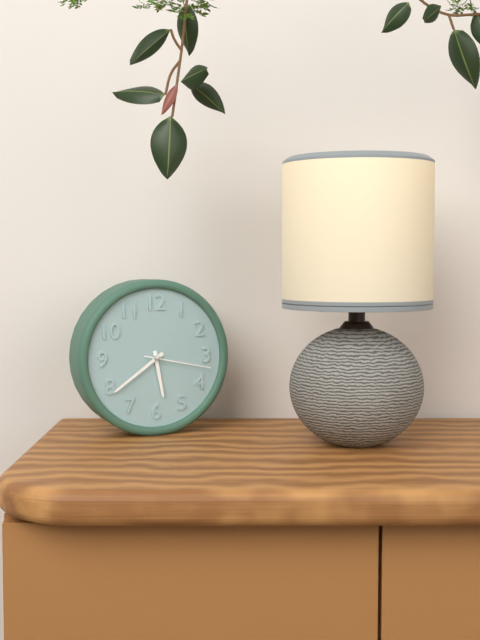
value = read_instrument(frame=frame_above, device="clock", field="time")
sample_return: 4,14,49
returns 5,39,17
